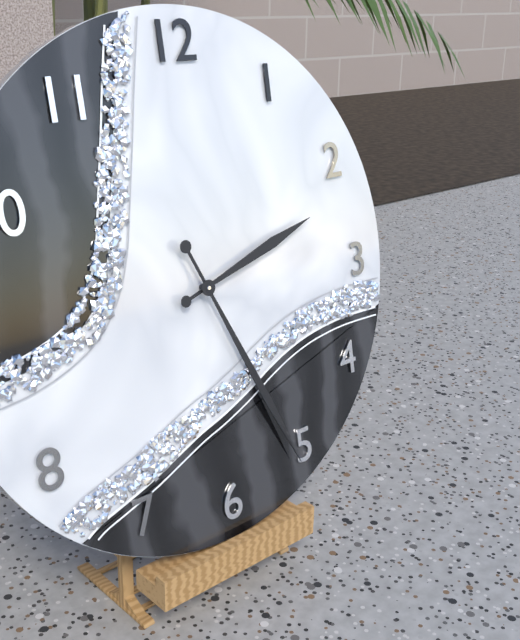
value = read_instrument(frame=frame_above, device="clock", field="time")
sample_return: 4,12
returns 2,26
